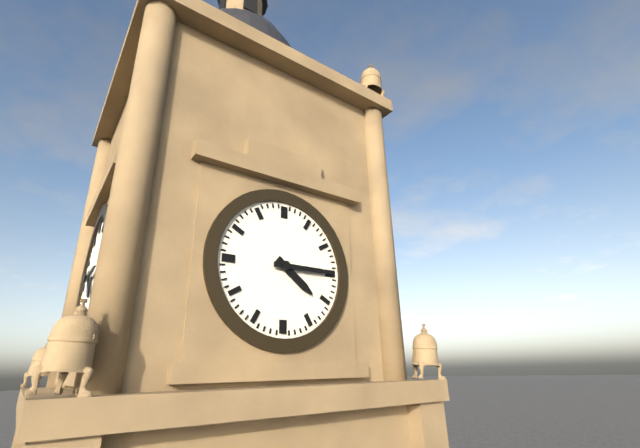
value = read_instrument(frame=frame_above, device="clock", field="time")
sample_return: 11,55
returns 4,15
